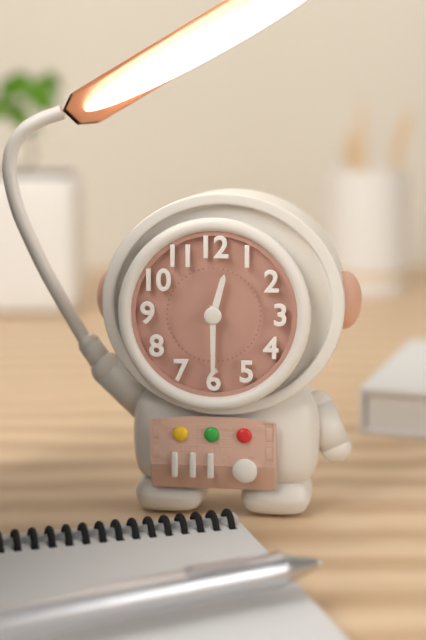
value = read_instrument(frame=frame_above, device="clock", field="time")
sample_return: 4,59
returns 12,30
